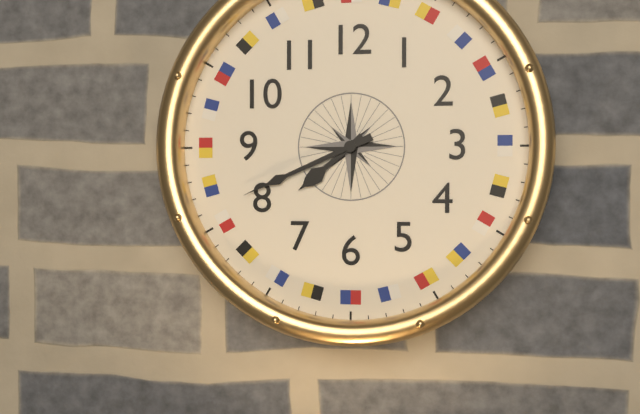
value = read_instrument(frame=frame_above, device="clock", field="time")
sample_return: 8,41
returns 7,41
